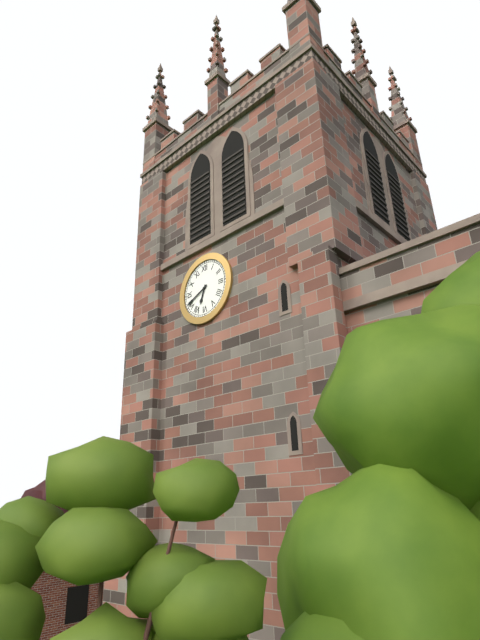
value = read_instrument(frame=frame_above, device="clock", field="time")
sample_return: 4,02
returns 6,41
